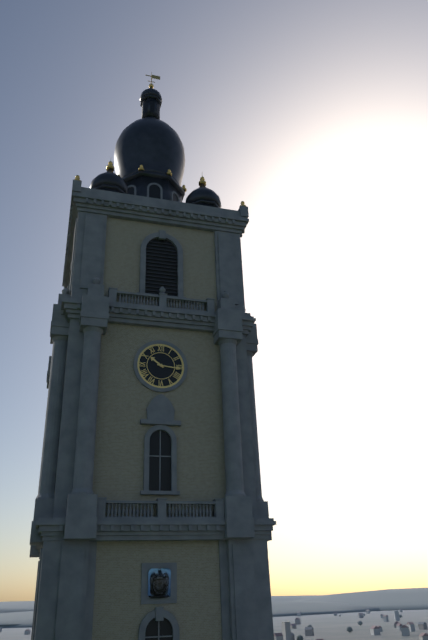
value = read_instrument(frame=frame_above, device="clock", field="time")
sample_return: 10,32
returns 10,16
